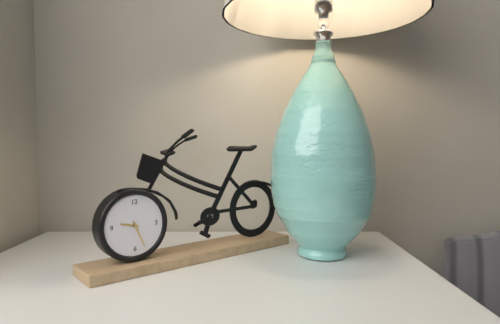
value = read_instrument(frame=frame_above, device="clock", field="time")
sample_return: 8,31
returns 9,26
